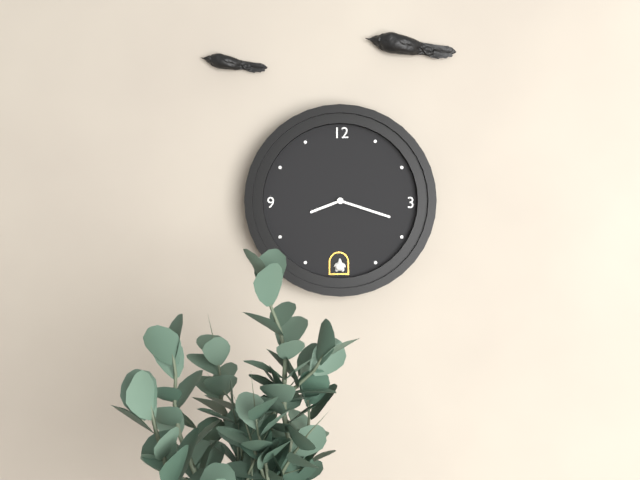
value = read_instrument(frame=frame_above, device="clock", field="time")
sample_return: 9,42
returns 8,18
